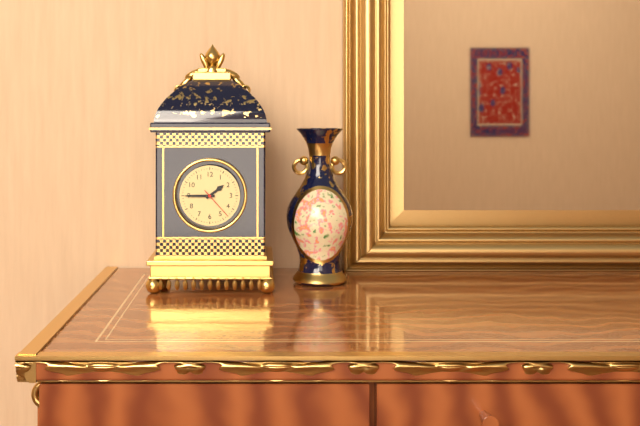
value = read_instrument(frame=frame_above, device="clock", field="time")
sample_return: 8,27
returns 1,45
